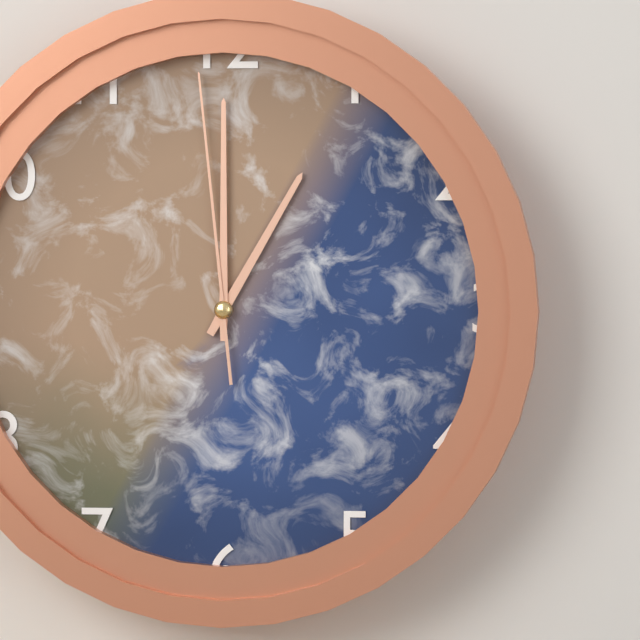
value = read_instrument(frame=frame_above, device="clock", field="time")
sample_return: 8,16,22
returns 1,00,59
